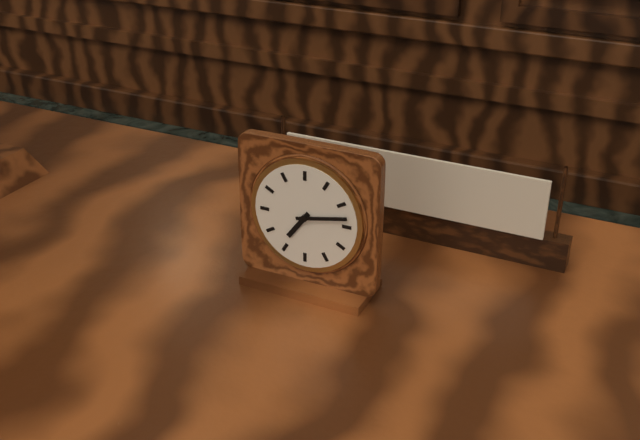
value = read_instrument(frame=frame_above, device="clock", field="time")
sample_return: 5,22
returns 7,13
